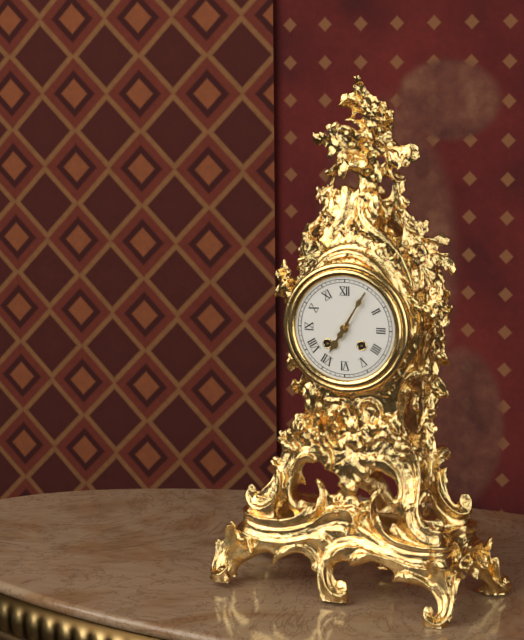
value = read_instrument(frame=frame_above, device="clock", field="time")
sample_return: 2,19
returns 7,05
